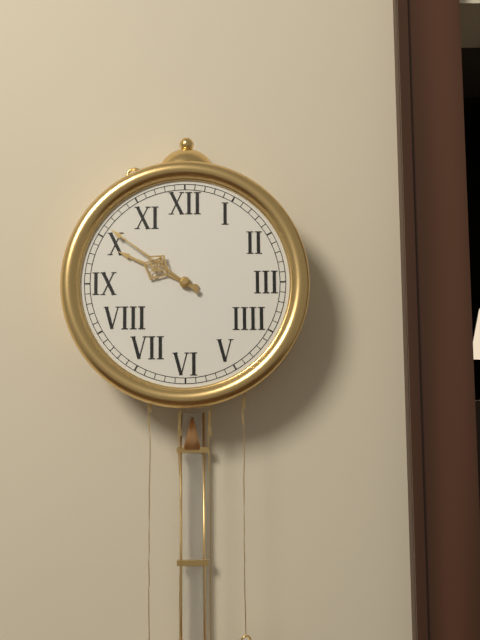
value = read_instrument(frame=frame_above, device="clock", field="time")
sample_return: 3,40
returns 9,51
